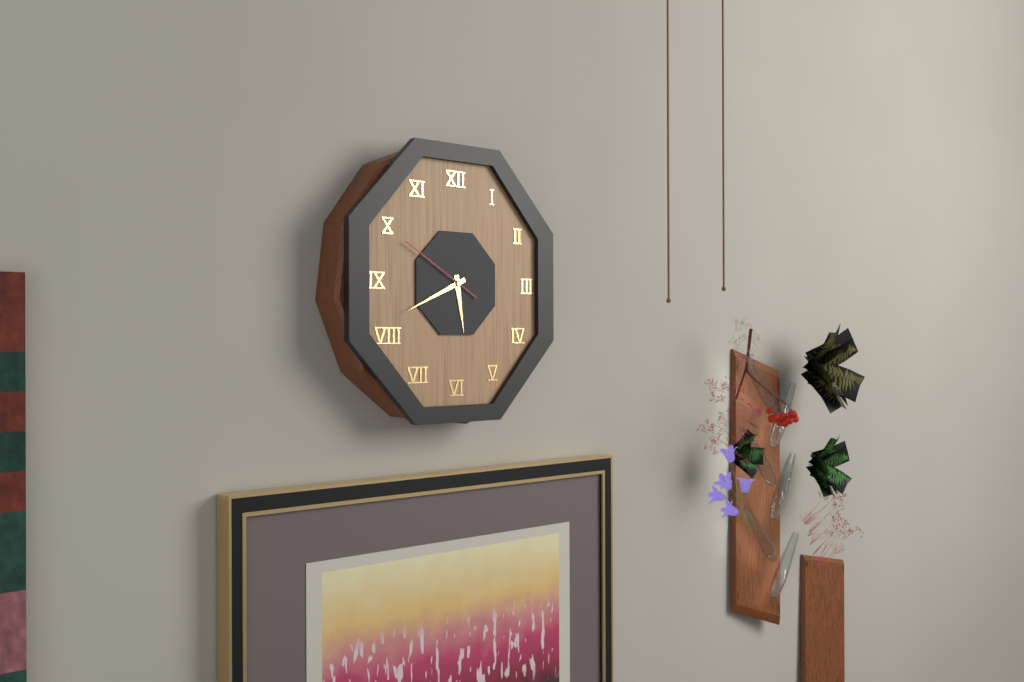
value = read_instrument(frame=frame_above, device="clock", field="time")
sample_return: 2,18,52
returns 5,41,50
